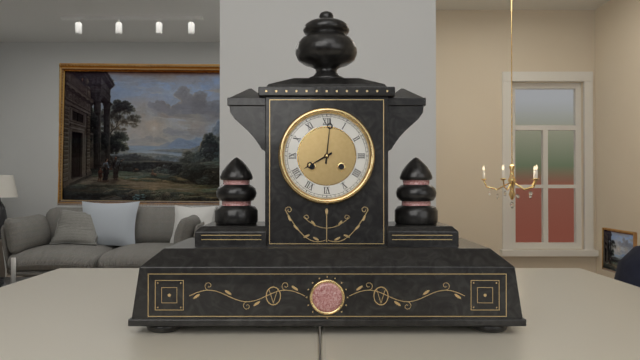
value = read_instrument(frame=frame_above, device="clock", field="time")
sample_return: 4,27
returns 8,01
